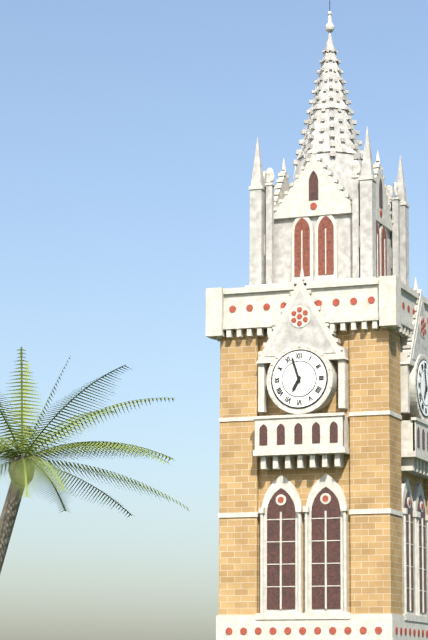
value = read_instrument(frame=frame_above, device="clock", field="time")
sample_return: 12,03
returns 6,57
